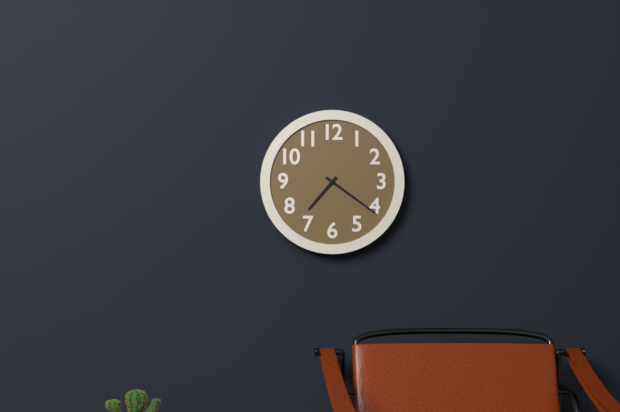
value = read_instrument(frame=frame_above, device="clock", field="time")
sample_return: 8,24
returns 7,21
